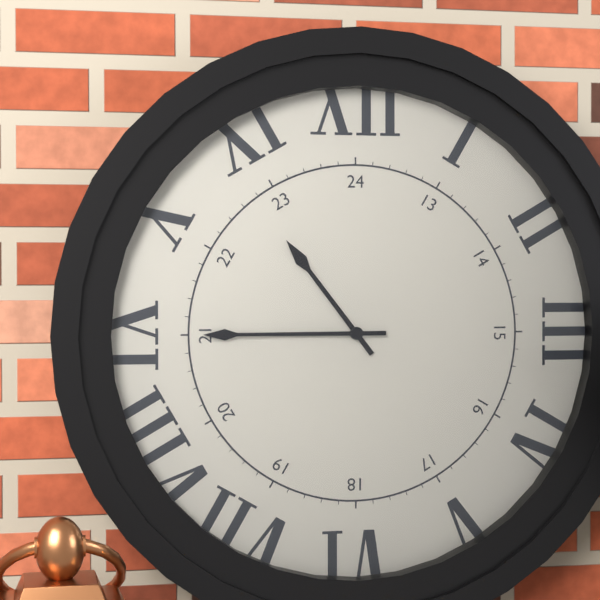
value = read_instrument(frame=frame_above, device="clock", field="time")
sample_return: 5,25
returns 10,45
